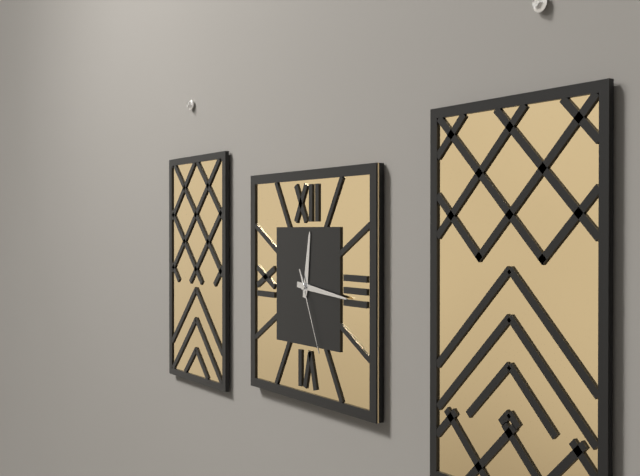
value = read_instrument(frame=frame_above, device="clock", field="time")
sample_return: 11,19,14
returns 12,16,26
